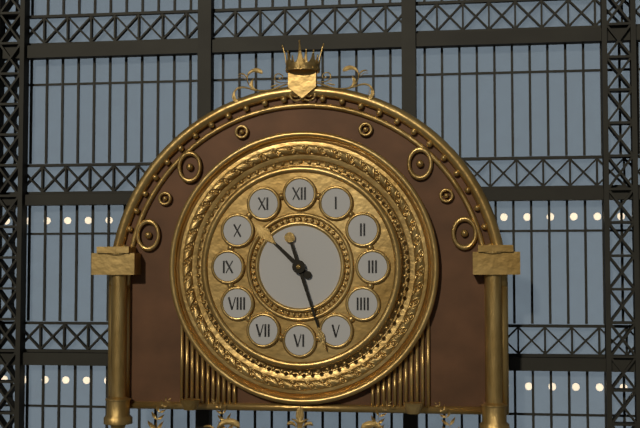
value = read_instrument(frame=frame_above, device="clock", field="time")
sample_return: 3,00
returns 10,27
